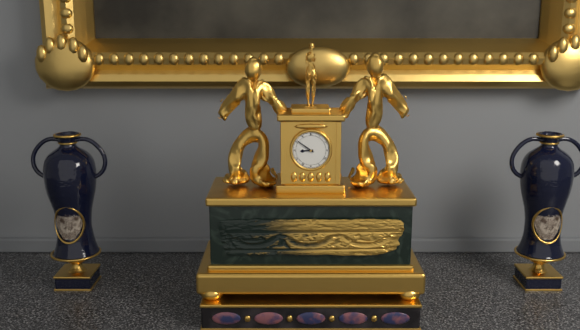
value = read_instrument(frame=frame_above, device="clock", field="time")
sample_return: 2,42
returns 8,51
